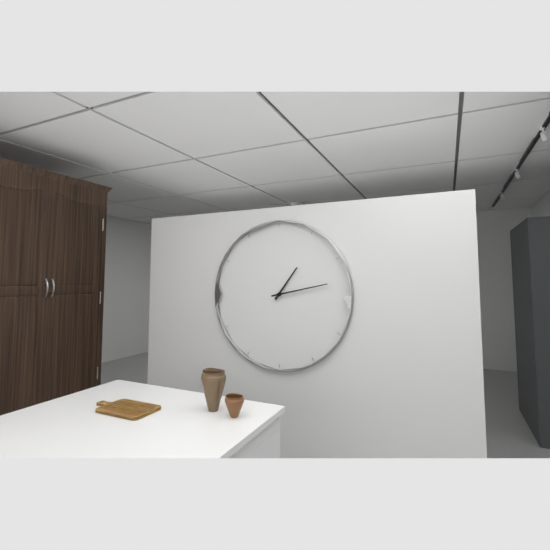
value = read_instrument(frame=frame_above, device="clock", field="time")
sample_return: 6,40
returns 1,13
